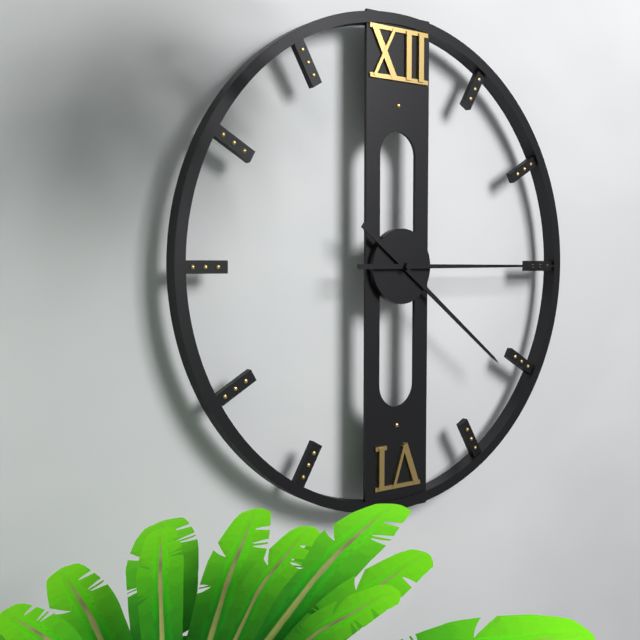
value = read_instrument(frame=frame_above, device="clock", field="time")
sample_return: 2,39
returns 4,15
